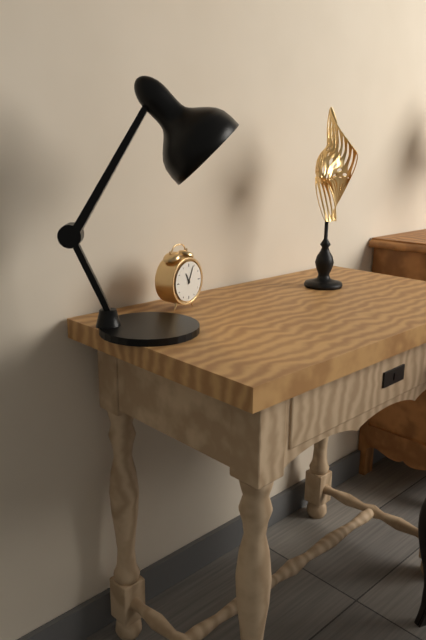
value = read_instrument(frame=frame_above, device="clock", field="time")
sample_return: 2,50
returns 11,04
